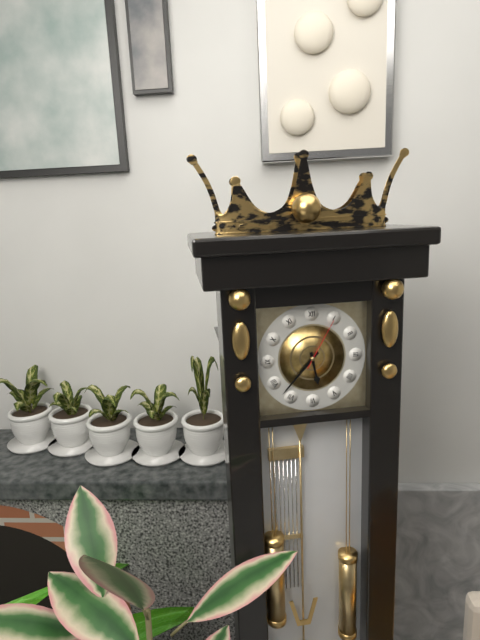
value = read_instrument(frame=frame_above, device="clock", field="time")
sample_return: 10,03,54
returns 5,37,05
